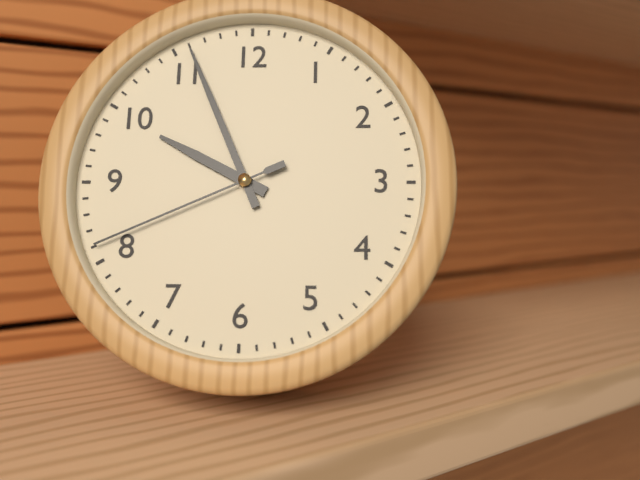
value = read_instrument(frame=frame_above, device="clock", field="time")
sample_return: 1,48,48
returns 9,56,41
